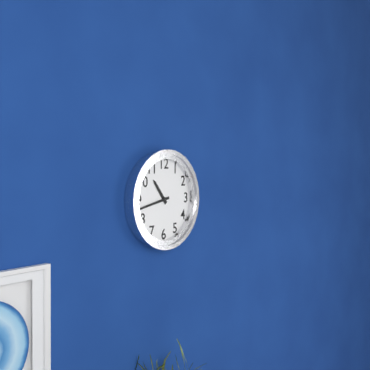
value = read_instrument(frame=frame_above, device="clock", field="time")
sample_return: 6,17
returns 10,43
